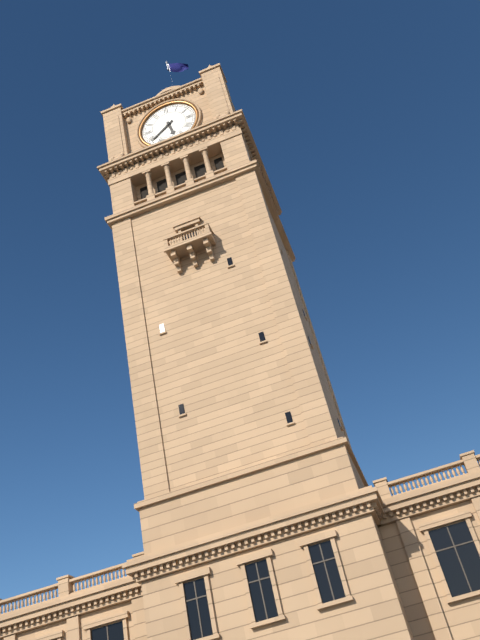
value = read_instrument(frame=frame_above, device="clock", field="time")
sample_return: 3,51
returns 5,39
